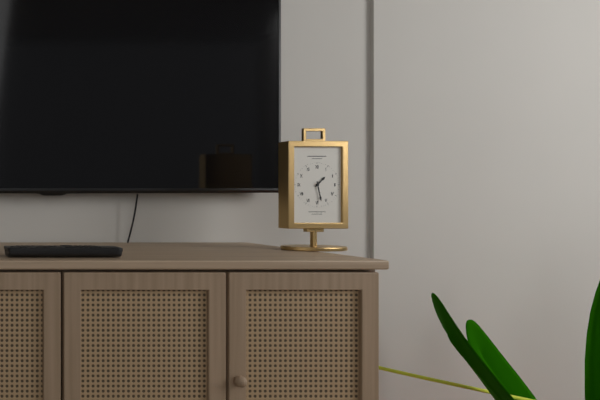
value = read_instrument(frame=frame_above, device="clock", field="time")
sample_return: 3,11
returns 1,28
